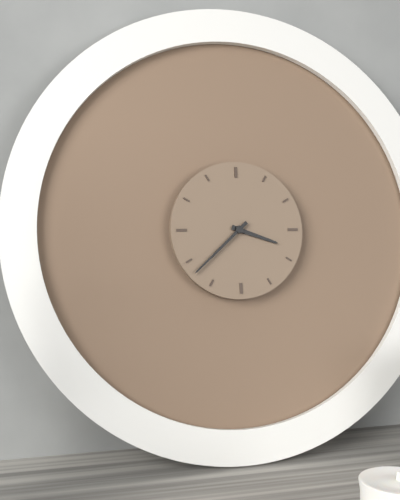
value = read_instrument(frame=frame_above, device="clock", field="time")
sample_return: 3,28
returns 3,38
